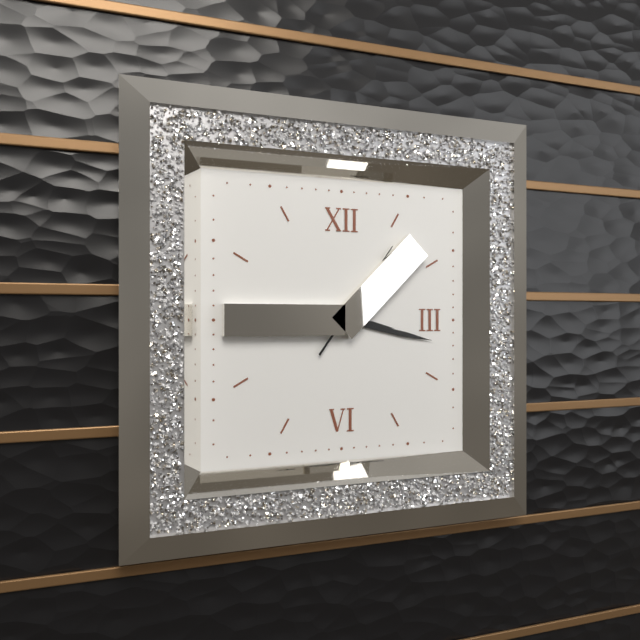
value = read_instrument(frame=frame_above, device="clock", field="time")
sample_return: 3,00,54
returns 3,17,06
